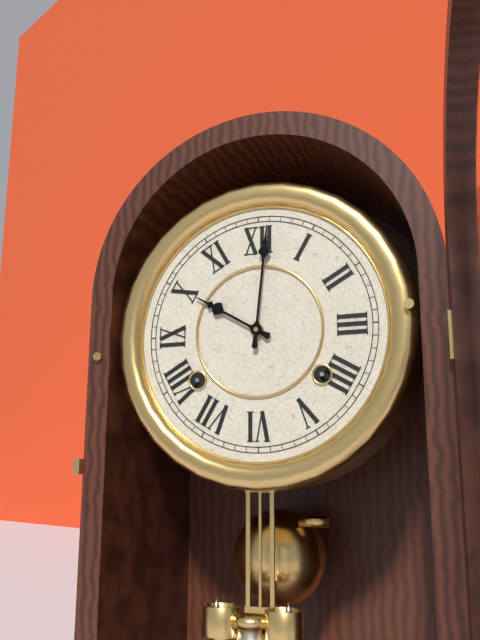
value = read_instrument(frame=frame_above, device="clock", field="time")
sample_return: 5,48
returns 10,01
